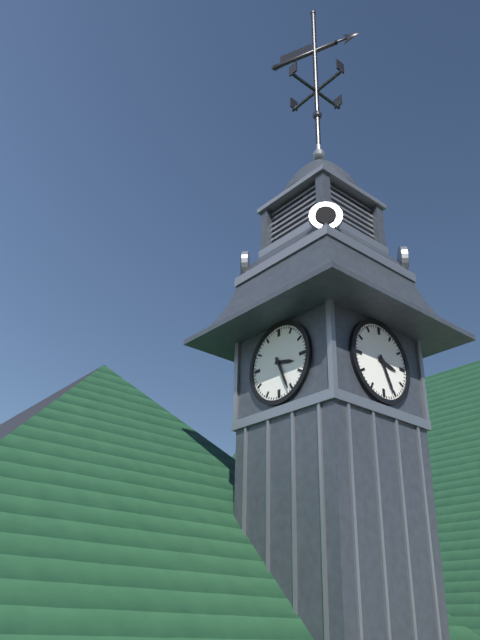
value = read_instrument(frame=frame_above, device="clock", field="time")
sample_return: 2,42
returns 3,26
